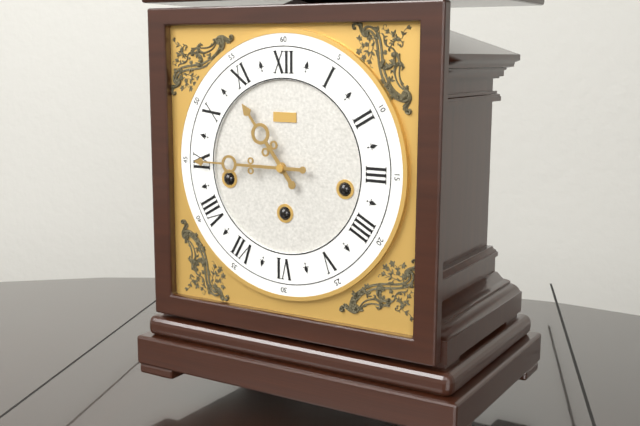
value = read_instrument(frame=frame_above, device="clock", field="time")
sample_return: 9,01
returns 10,45
